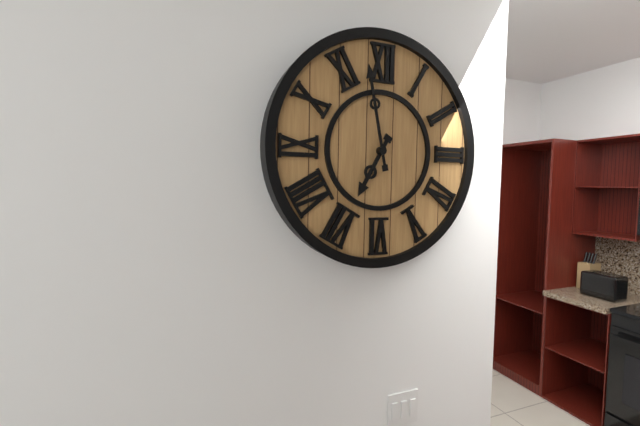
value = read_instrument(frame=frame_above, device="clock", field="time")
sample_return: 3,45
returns 6,58
